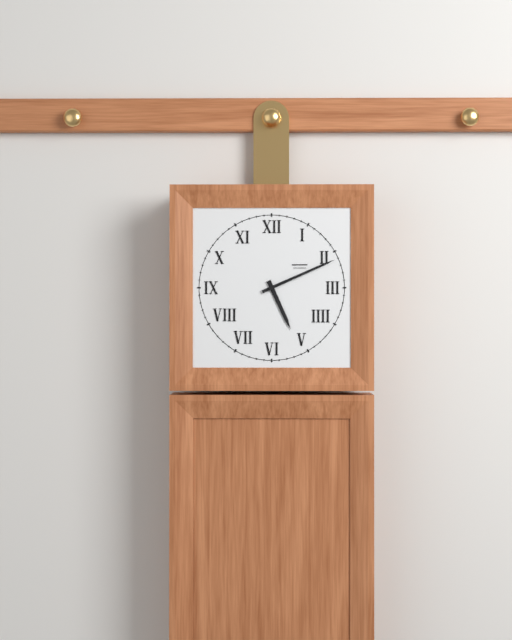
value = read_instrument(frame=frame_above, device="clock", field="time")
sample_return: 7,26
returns 5,11
